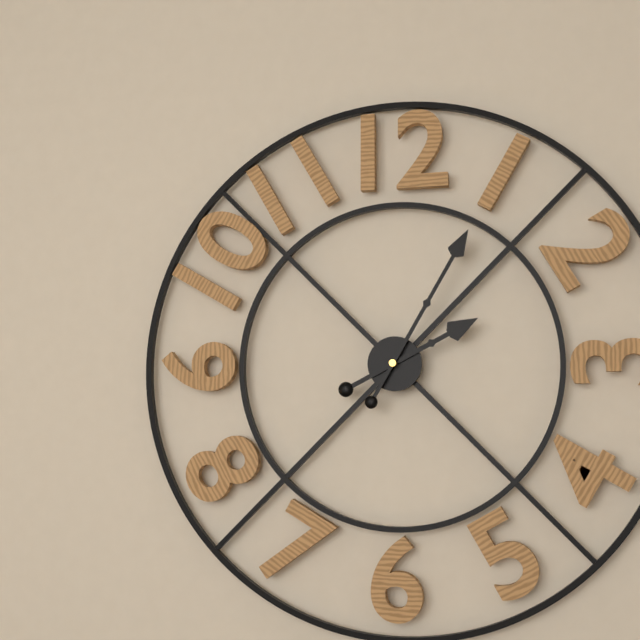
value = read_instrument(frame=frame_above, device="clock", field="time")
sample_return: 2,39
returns 2,05
